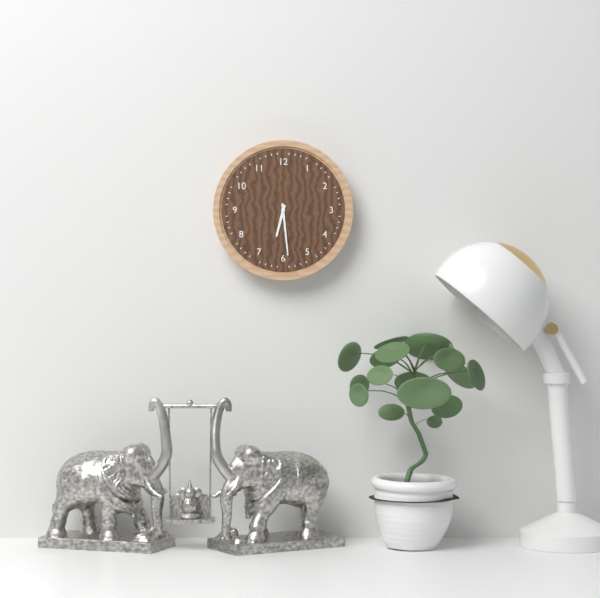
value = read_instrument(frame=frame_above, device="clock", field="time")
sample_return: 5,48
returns 6,29
